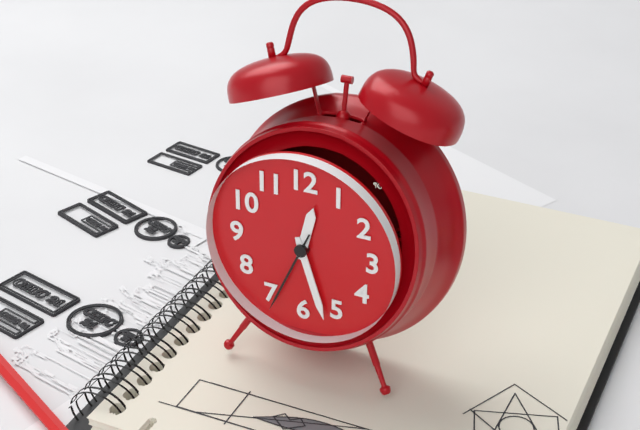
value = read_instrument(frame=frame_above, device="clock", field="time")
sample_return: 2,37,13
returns 12,27,34
